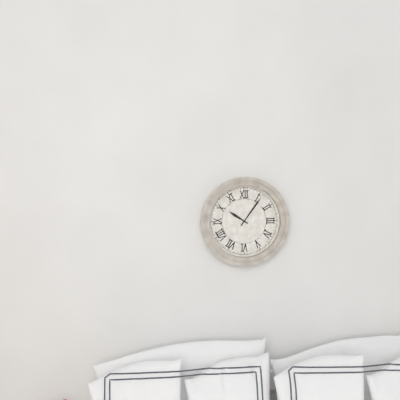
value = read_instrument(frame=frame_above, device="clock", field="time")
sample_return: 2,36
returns 10,06
